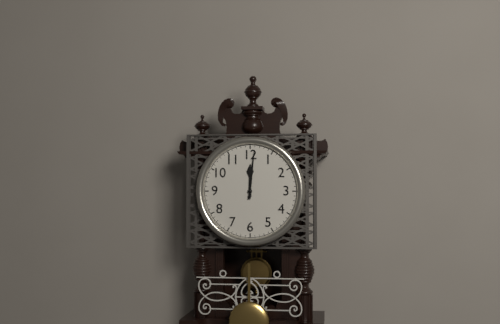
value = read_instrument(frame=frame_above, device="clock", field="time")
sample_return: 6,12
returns 12,01
